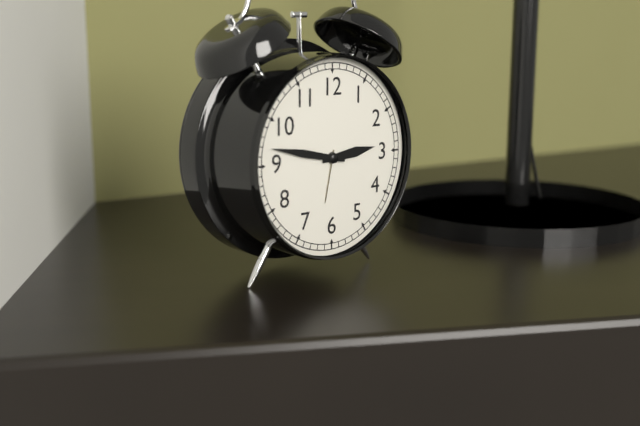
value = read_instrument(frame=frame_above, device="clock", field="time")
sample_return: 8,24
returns 2,47
